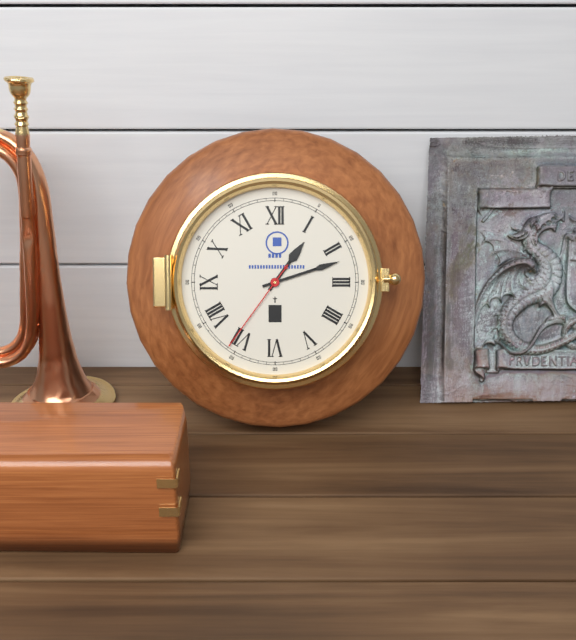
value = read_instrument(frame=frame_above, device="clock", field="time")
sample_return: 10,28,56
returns 1,12,36
